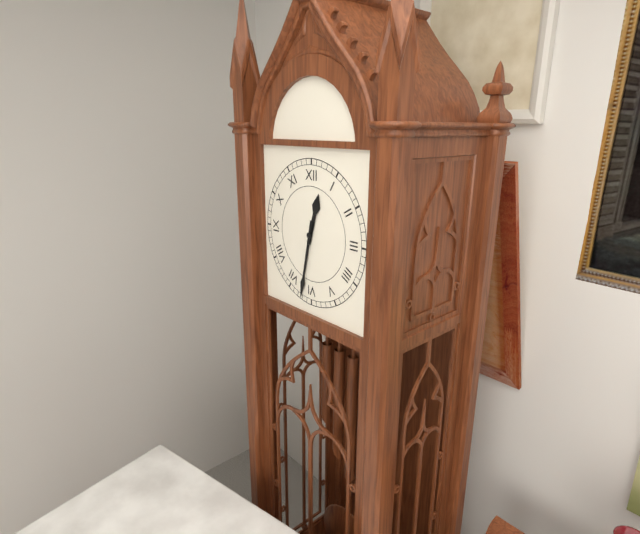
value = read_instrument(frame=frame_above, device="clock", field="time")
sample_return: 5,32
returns 12,32
